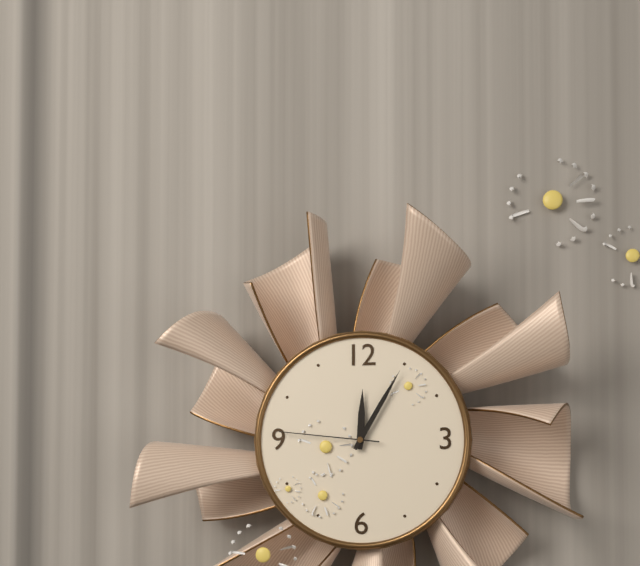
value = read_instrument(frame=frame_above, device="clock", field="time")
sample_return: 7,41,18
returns 12,05,46
